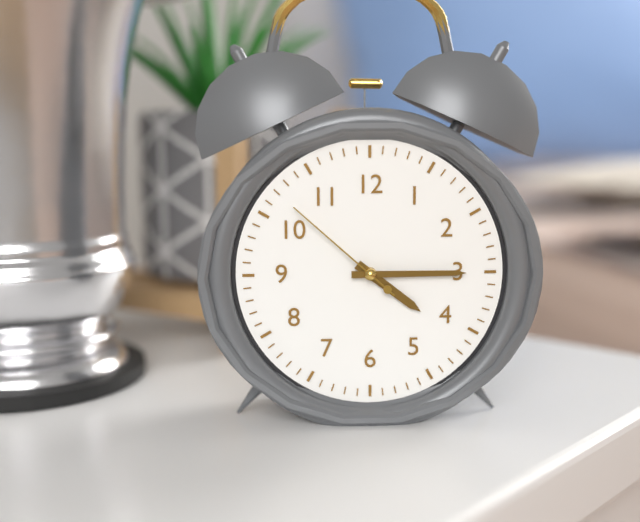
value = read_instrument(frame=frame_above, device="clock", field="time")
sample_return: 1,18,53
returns 4,15,52
